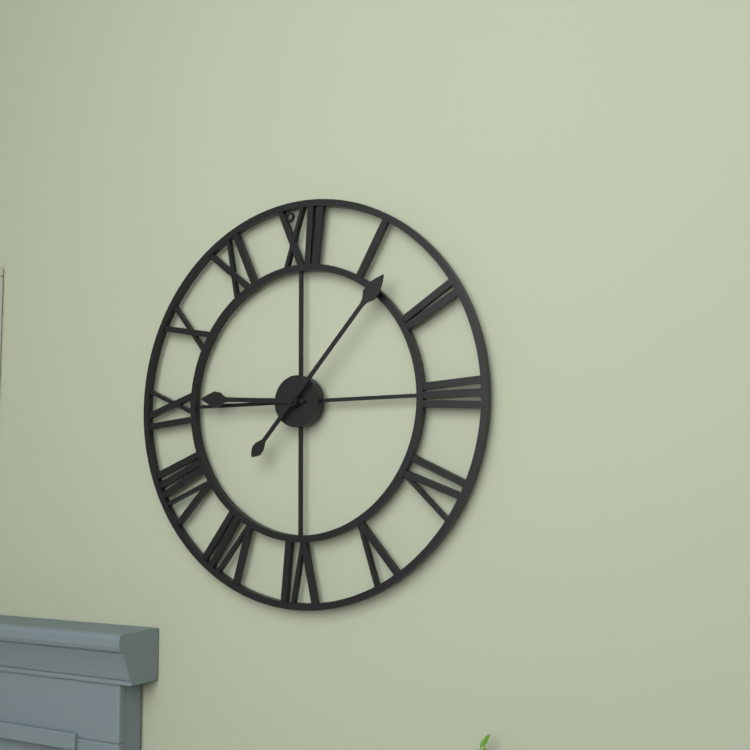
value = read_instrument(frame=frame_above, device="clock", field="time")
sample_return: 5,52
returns 9,07
